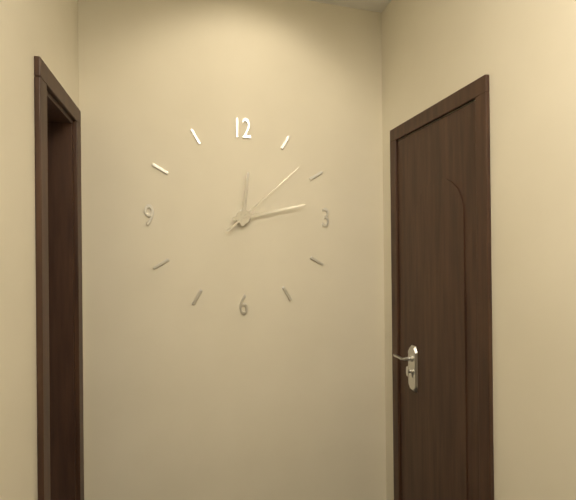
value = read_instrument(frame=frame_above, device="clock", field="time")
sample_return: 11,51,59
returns 12,13,08
